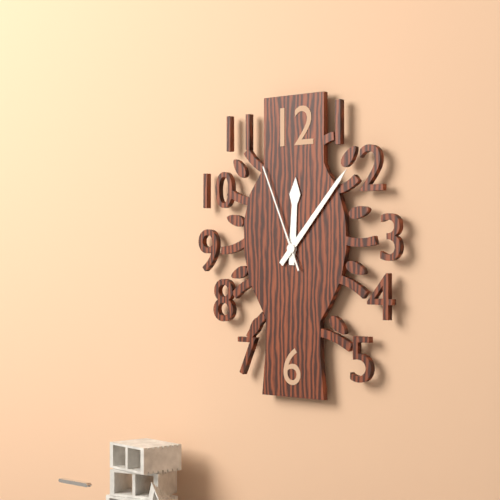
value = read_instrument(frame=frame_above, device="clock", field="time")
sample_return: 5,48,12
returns 12,07,56
